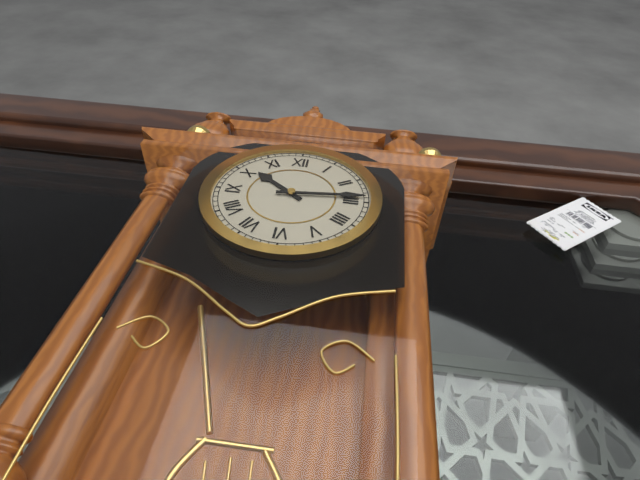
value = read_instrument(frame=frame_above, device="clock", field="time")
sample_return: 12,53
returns 10,14
